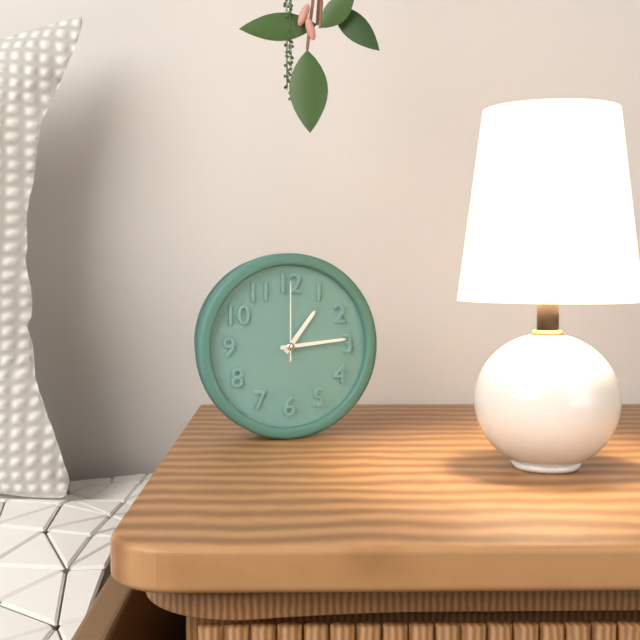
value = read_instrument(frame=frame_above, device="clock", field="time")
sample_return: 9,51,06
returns 1,14,00
